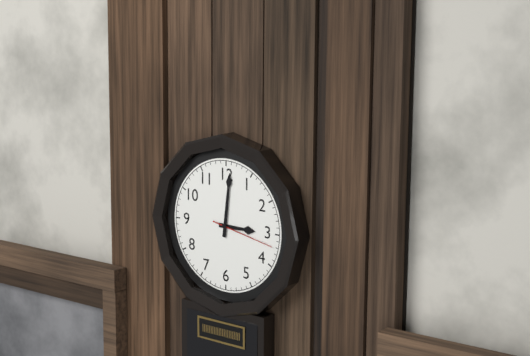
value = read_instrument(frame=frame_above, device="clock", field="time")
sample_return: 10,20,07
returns 3,01,17
